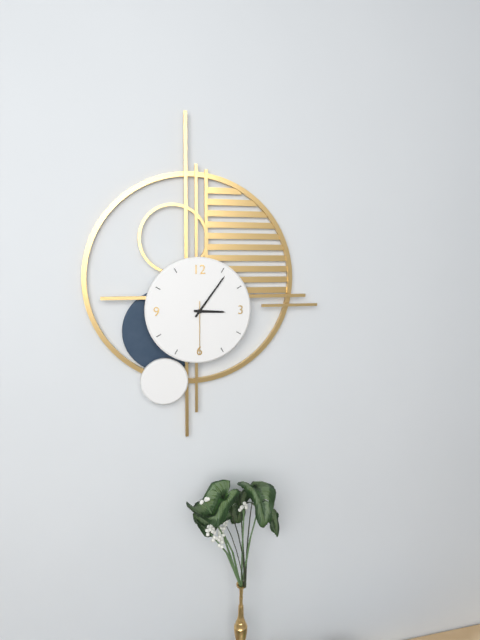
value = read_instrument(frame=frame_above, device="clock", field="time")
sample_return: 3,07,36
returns 3,06,30
